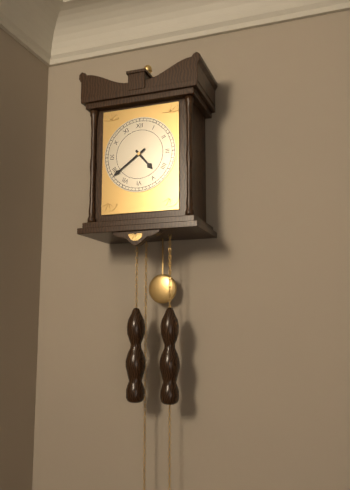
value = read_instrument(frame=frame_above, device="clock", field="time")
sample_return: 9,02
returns 4,39
